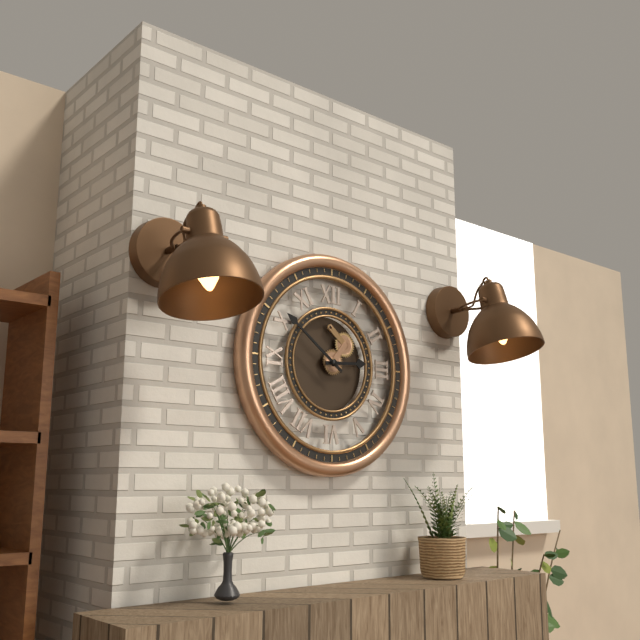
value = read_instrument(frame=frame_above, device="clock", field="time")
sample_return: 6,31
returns 2,51
